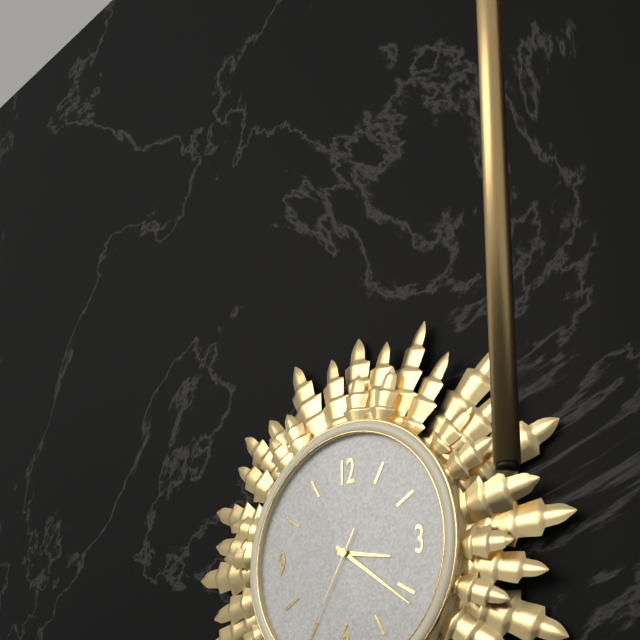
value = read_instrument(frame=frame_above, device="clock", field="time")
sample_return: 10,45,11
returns 3,21,35
